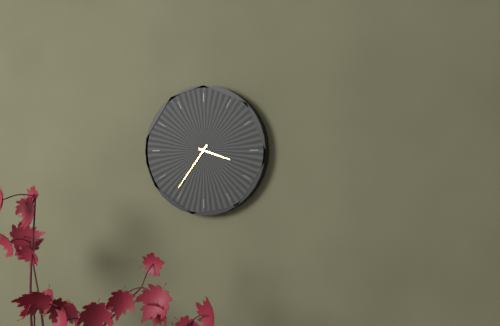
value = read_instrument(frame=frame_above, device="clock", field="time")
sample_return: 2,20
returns 3,36
